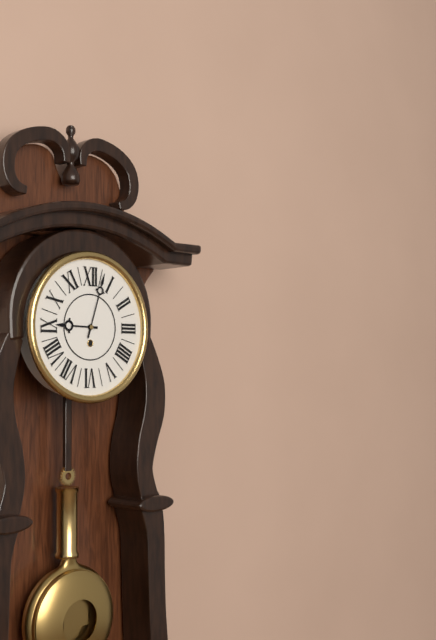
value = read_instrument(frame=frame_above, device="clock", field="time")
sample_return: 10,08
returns 9,03
